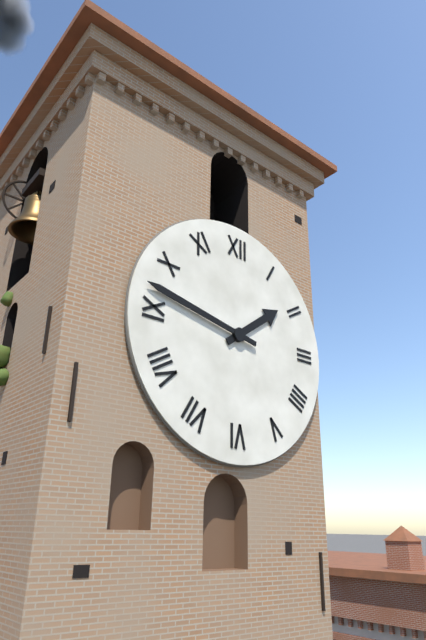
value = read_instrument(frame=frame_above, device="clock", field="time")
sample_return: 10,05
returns 1,47
